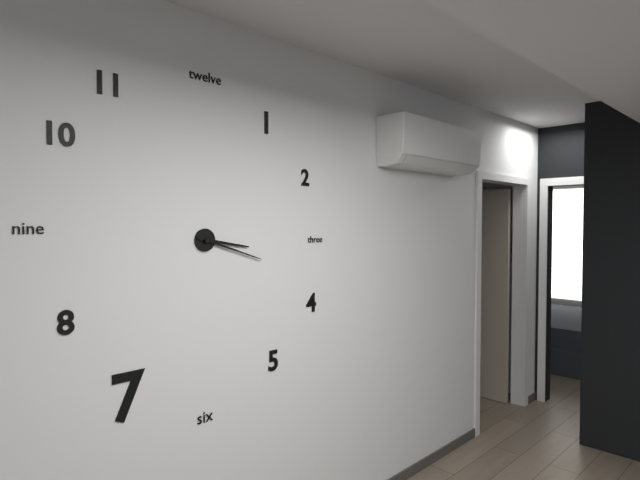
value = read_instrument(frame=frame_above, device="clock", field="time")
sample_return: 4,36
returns 3,18
